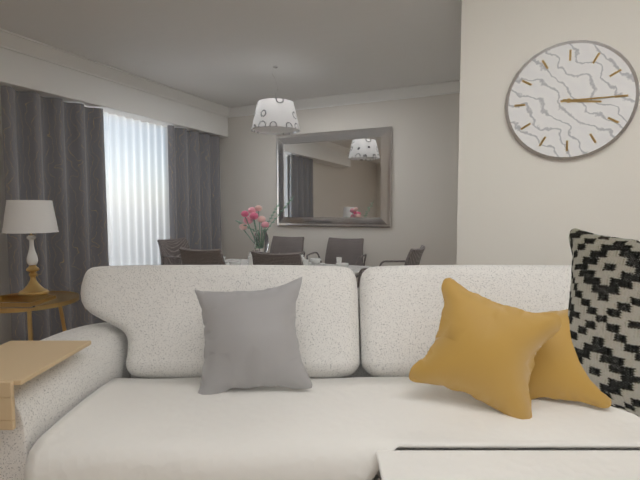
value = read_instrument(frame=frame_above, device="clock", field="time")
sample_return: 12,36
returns 3,15
